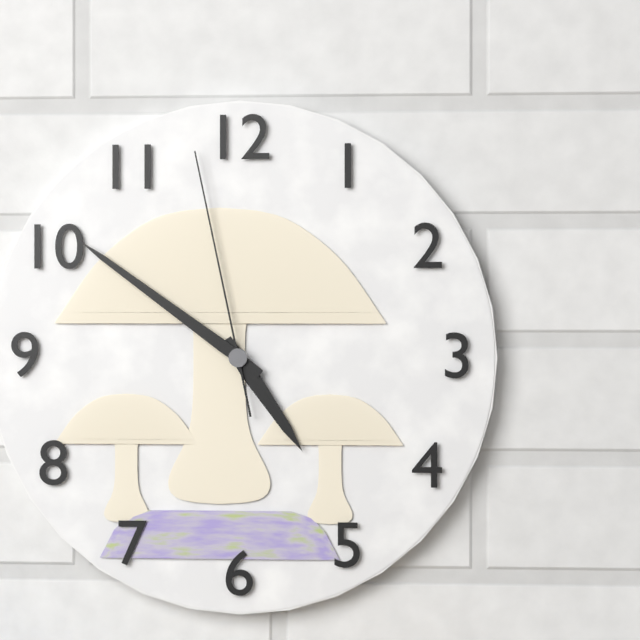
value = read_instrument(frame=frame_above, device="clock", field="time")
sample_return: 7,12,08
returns 4,51,58
